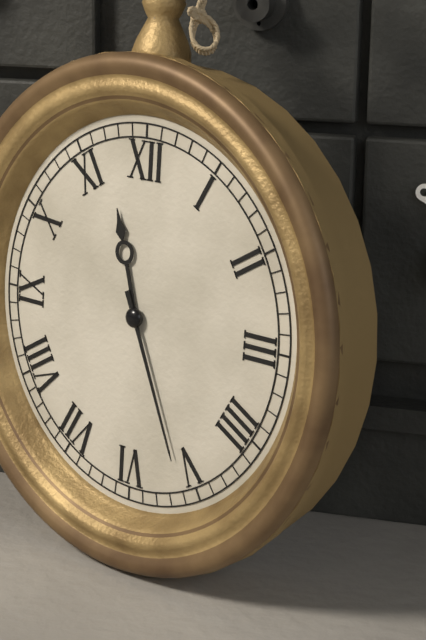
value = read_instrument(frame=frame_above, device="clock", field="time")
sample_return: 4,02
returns 11,26
